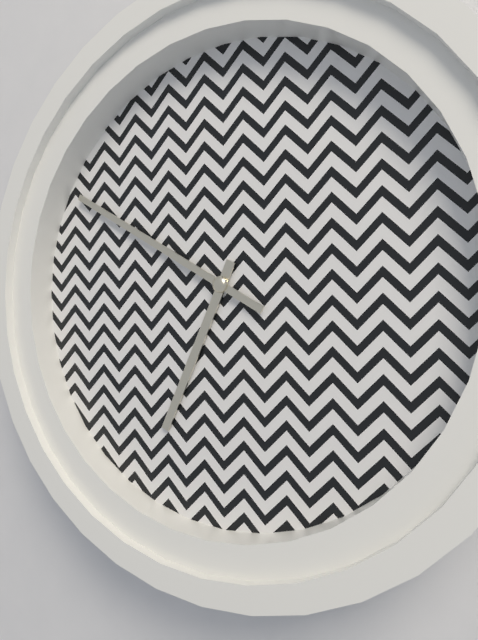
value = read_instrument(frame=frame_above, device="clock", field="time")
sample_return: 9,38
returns 6,50
